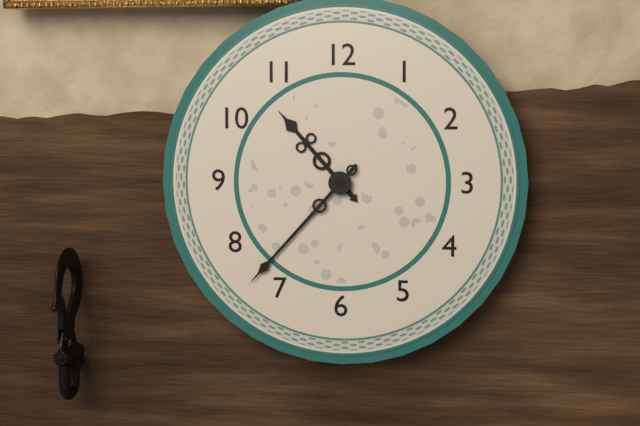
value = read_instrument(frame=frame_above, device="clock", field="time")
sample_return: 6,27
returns 10,37
